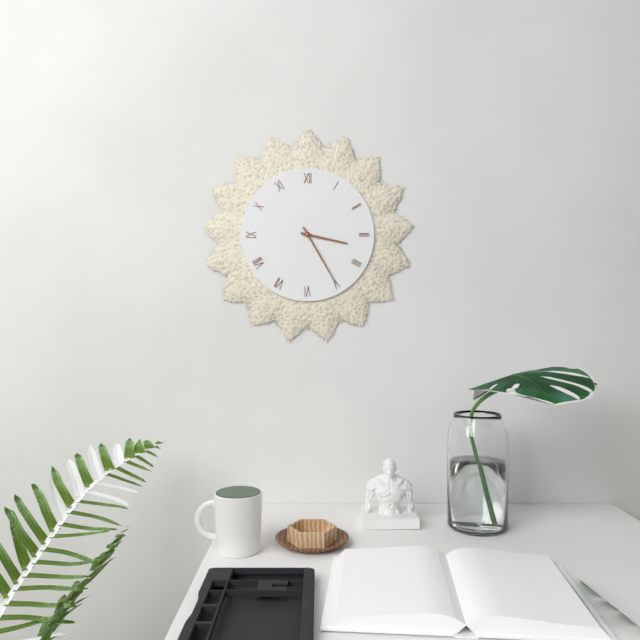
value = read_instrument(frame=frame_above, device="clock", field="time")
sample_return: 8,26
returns 3,25
